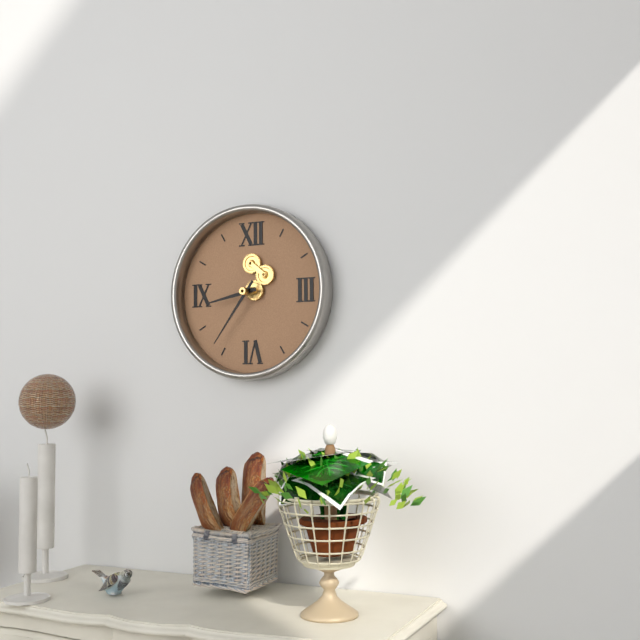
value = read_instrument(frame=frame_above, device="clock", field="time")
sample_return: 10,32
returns 8,36
